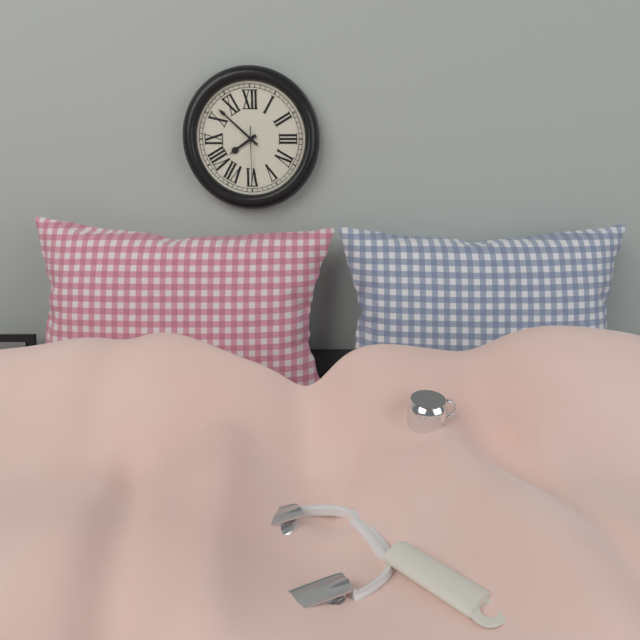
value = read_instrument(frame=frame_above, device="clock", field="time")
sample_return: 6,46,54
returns 7,52,30
